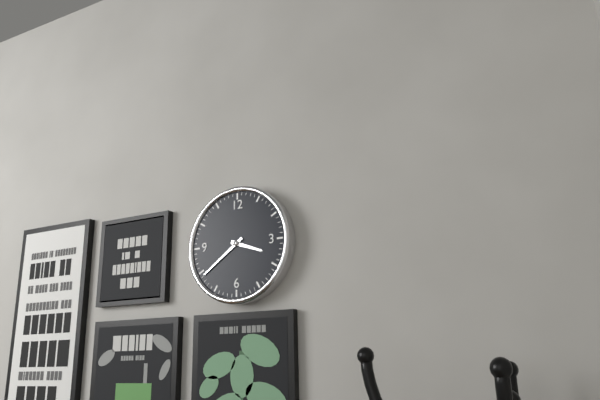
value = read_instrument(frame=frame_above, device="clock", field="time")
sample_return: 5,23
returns 3,39
